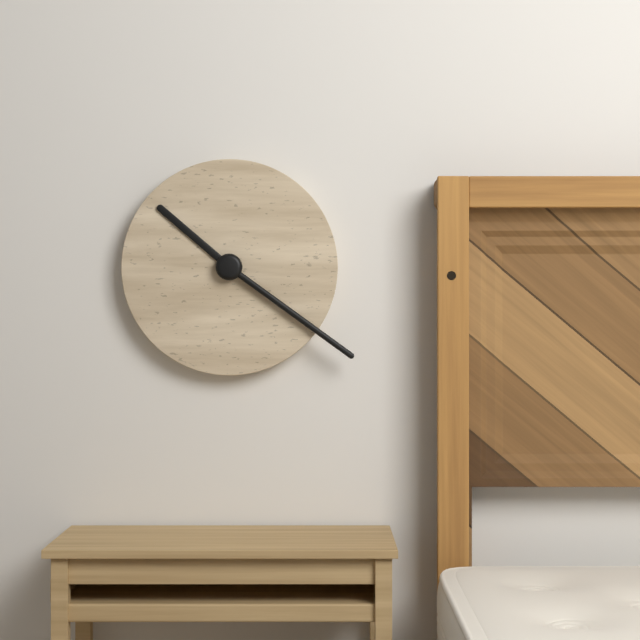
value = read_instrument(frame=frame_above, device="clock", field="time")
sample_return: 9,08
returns 10,21
